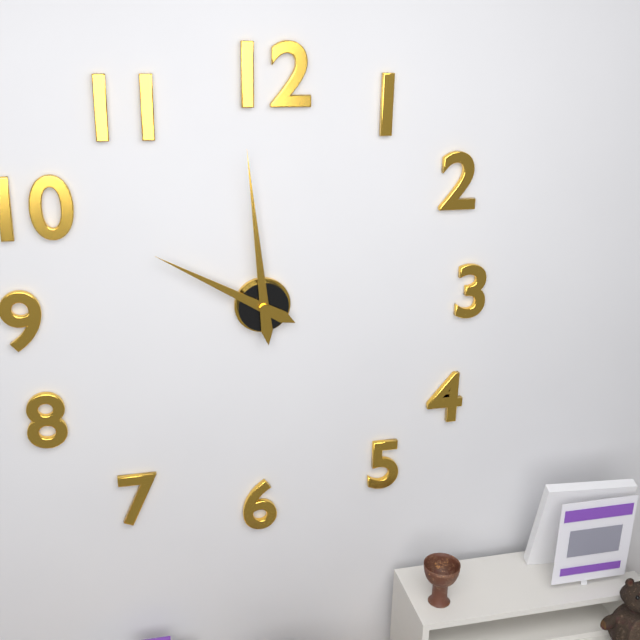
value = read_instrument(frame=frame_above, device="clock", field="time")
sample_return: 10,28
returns 9,59
